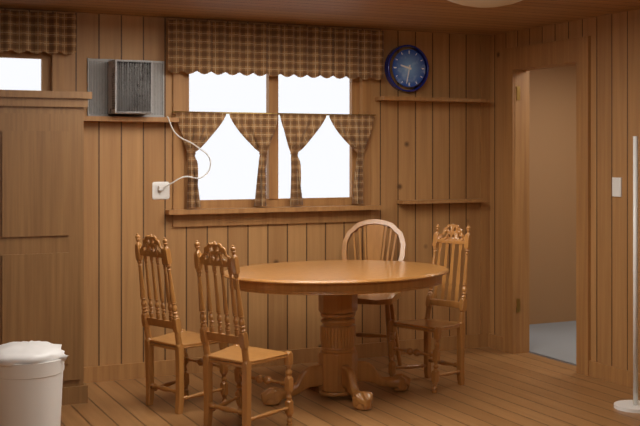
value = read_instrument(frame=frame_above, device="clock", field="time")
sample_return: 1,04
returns 9,32
